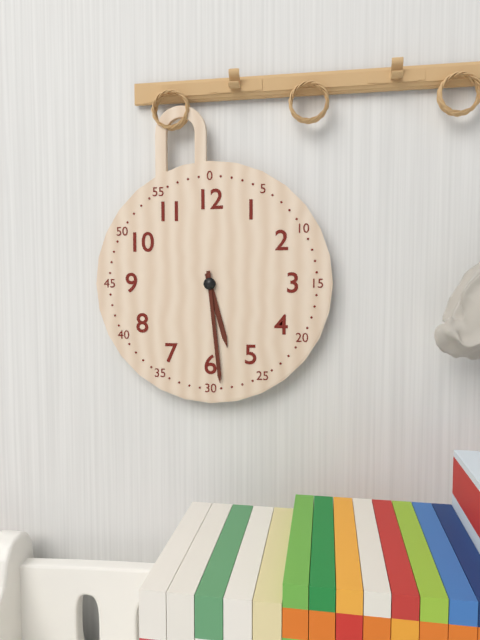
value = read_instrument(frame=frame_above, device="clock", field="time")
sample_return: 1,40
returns 5,29
